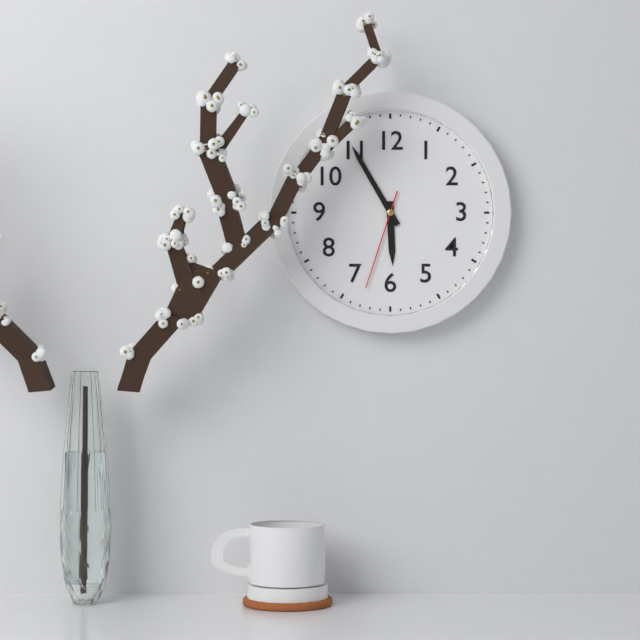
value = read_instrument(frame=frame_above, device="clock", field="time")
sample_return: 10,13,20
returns 5,55,33
